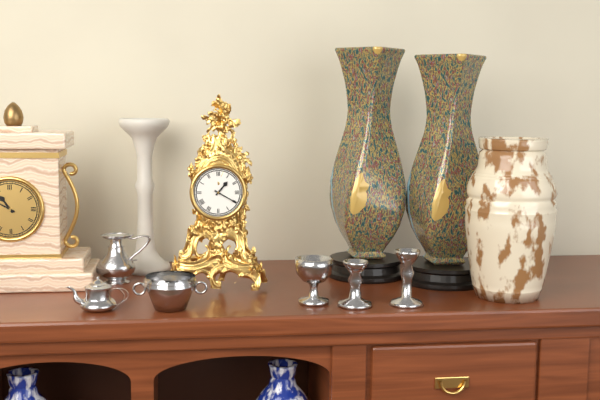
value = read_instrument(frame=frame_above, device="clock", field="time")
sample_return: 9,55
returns 1,20
